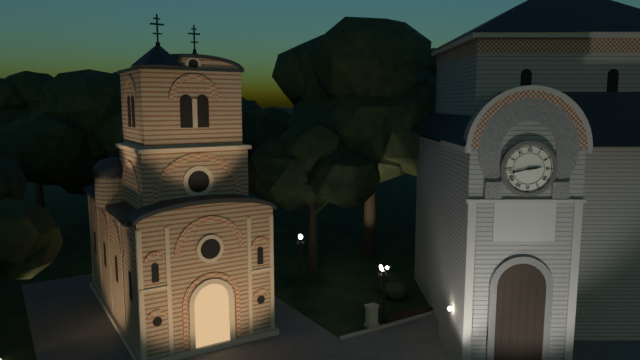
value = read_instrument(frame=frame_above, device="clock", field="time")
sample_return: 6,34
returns 2,43
